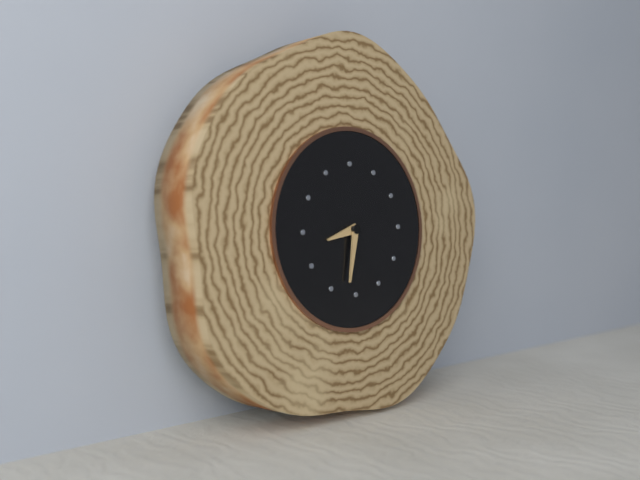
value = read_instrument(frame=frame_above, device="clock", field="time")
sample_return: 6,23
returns 8,32
